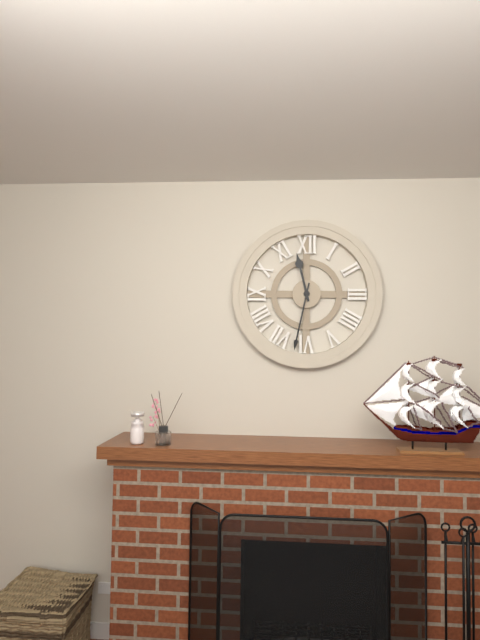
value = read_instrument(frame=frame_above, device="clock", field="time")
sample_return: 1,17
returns 11,32
